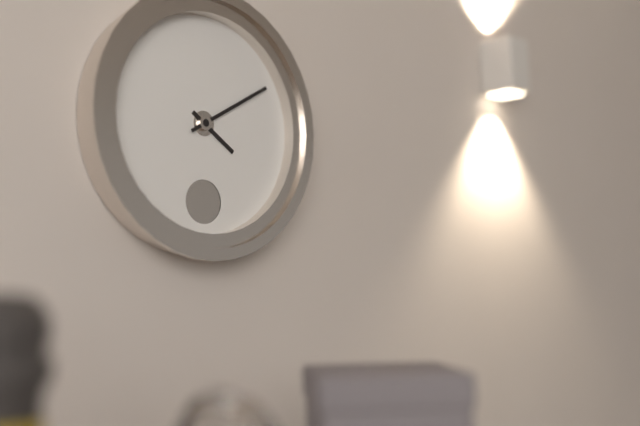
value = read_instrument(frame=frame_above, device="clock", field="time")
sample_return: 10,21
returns 4,10
